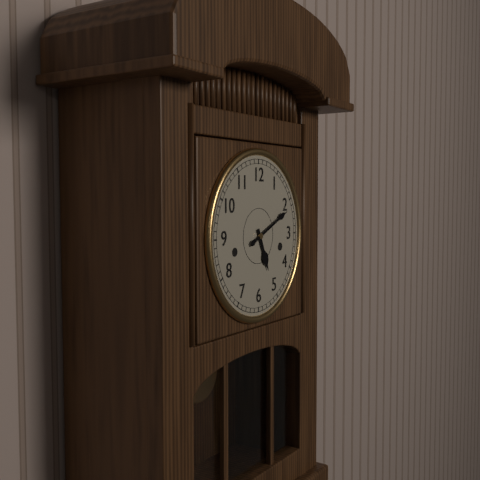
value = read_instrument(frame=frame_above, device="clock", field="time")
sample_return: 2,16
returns 5,11
